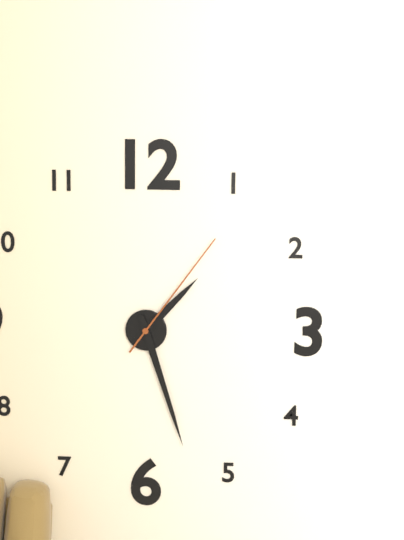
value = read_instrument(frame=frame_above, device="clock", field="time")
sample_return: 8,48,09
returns 1,27,06
